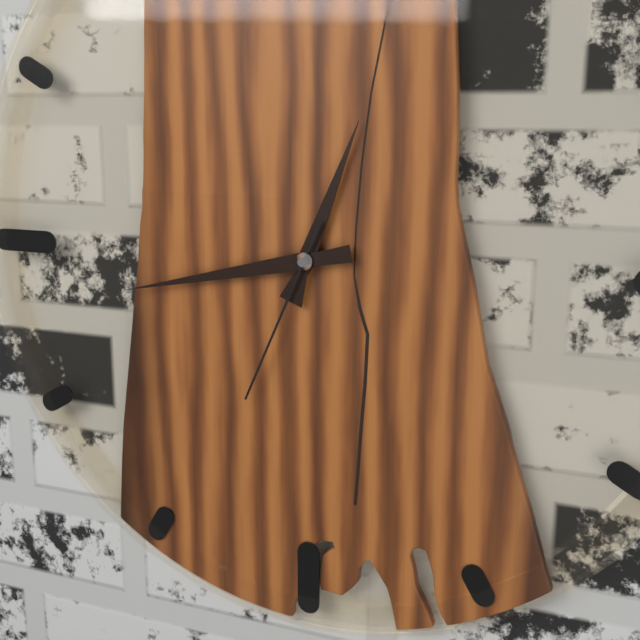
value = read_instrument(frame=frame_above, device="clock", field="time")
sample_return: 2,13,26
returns 12,43,34
